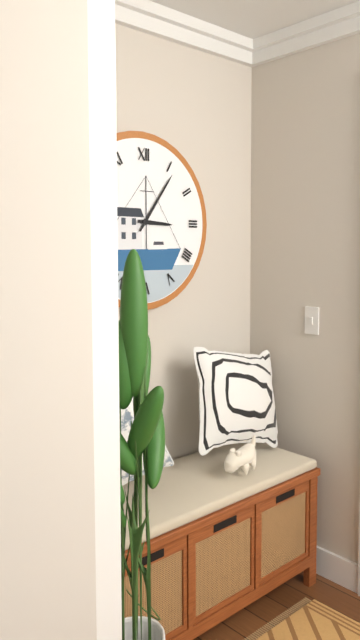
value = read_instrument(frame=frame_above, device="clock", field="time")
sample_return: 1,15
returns 3,06
